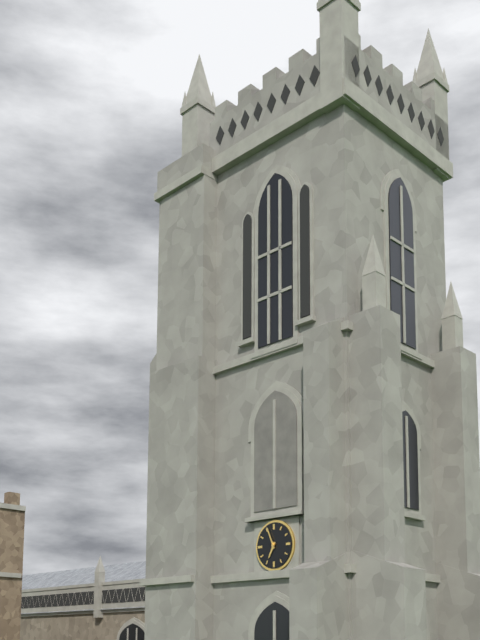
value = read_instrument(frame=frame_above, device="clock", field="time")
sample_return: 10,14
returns 6,56
